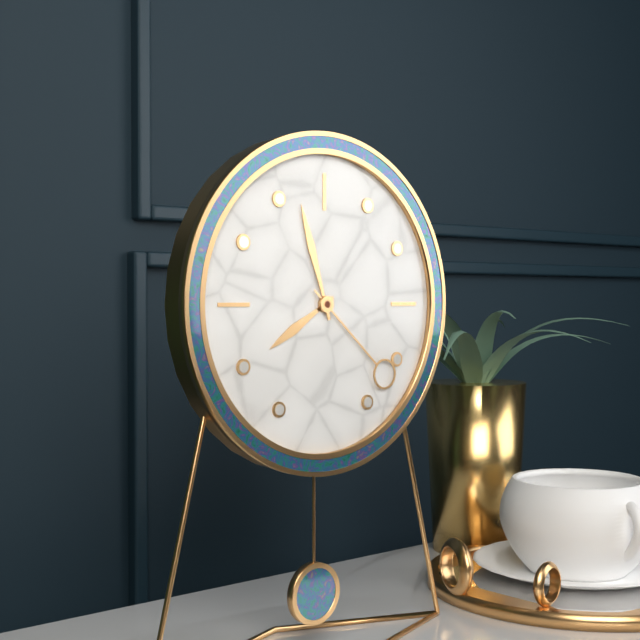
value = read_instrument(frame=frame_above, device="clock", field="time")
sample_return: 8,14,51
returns 7,57,22
